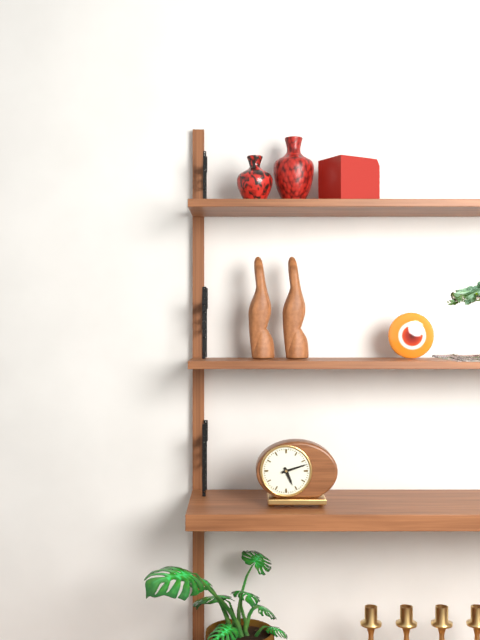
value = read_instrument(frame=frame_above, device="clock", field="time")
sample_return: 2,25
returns 5,12
